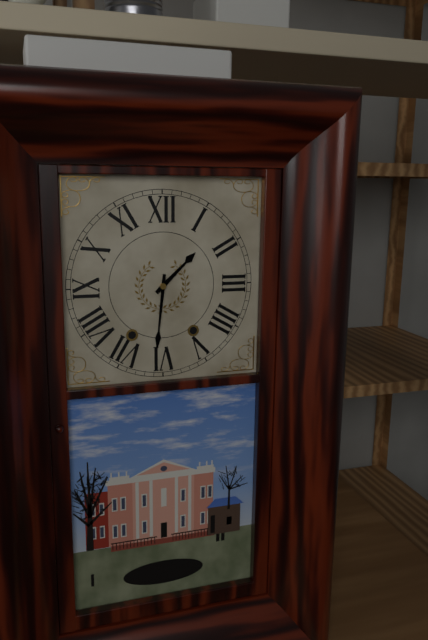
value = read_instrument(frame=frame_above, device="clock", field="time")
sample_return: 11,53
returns 1,31
